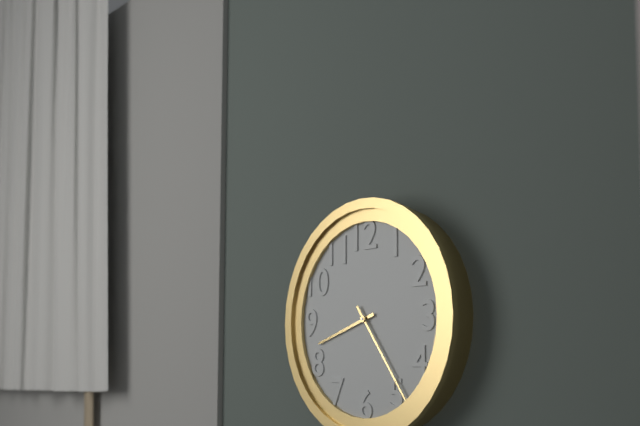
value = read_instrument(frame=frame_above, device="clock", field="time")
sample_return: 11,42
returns 8,24
